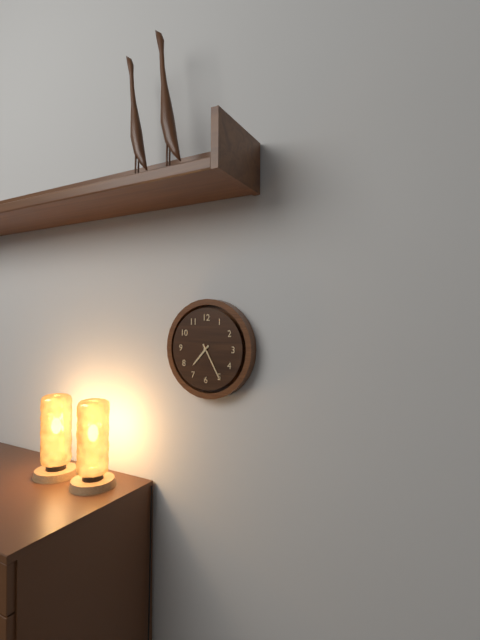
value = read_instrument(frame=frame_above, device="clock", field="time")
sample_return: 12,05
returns 7,25
